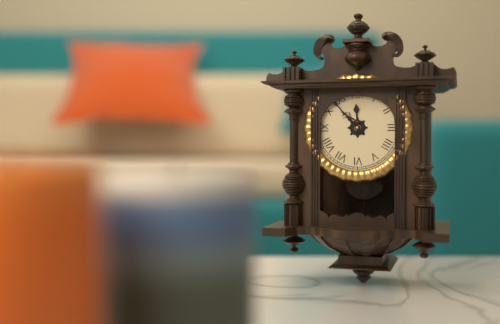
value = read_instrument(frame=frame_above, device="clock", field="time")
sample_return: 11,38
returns 11,53
